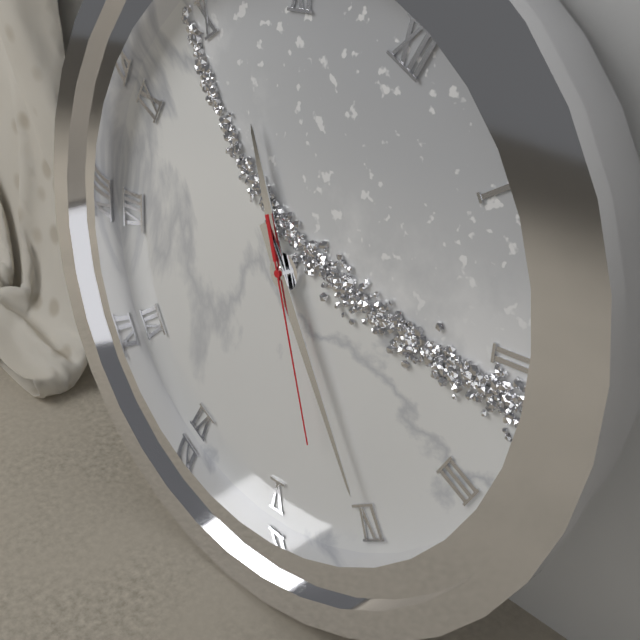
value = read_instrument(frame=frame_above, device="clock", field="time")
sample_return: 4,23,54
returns 10,20,22
